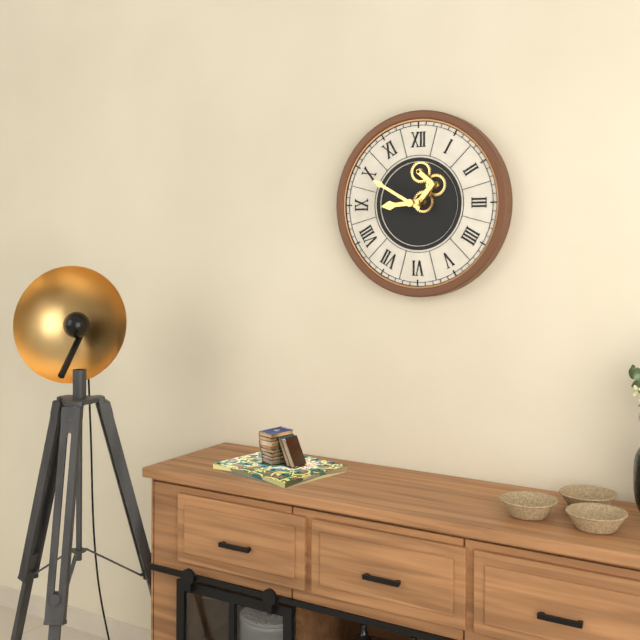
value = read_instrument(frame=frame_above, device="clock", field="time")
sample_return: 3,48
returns 8,50
